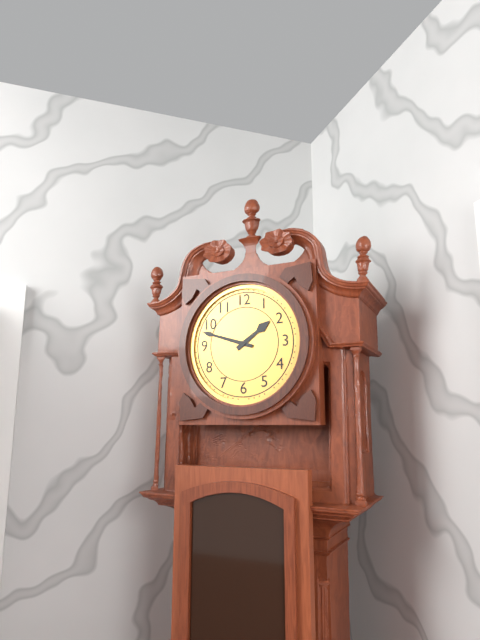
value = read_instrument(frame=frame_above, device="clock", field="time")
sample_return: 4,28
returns 1,48
